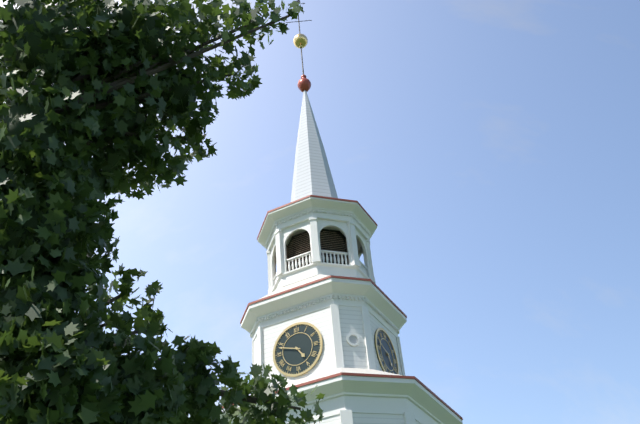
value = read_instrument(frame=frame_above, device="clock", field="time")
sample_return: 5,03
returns 4,48
